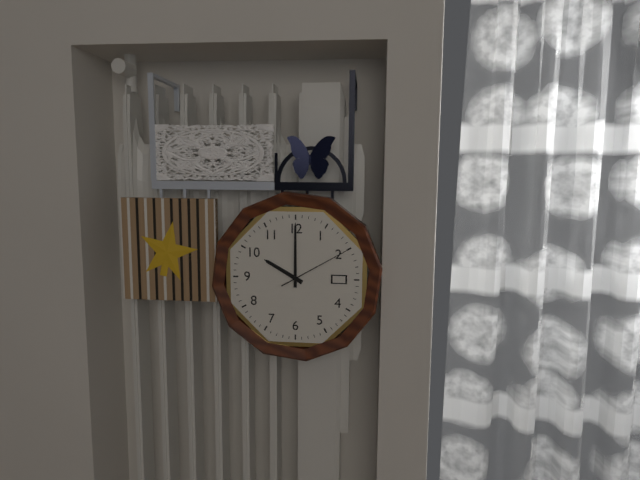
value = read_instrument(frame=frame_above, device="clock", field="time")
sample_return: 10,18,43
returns 10,00,10
